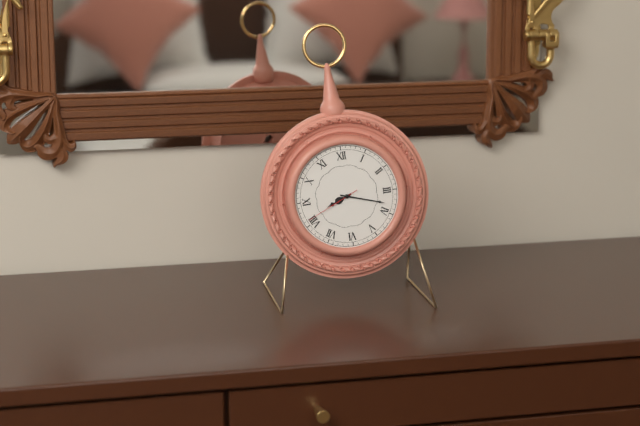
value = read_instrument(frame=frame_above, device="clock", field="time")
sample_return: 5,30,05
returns 8,18,41
